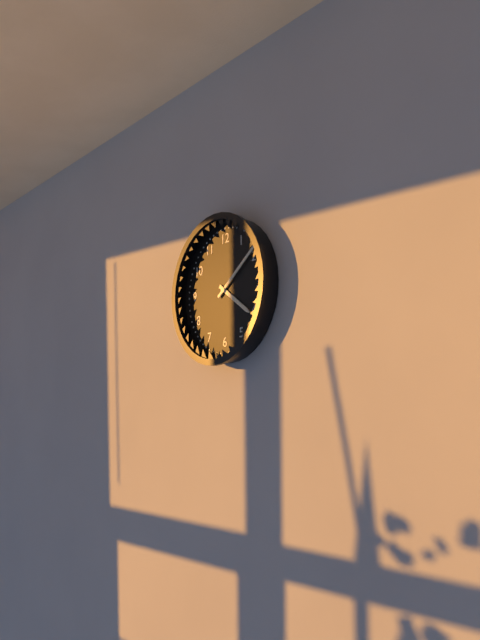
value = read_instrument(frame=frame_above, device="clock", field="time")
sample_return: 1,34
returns 4,09
